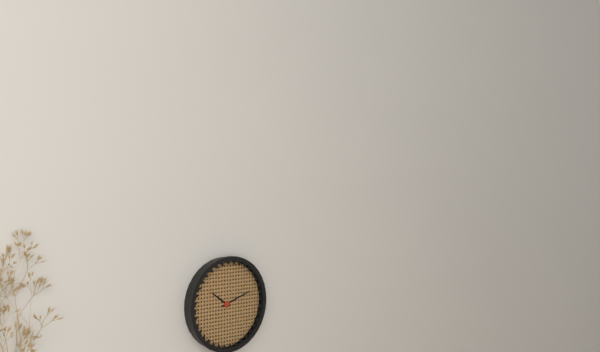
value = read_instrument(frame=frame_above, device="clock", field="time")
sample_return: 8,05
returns 10,12
